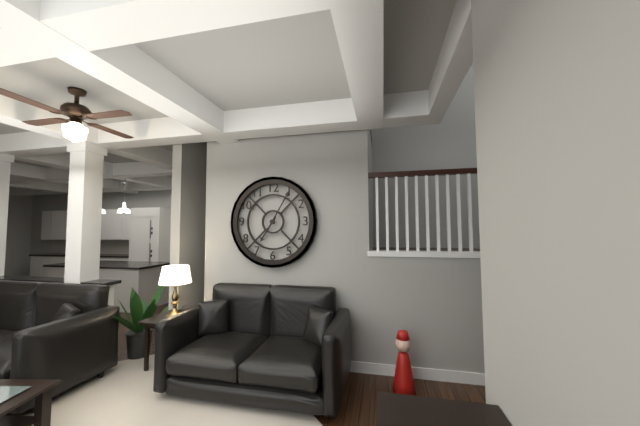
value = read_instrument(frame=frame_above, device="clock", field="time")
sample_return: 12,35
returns 7,05
